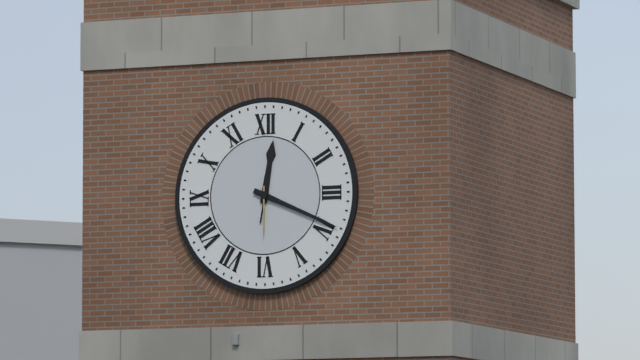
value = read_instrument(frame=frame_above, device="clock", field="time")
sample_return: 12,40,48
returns 12,19,30
